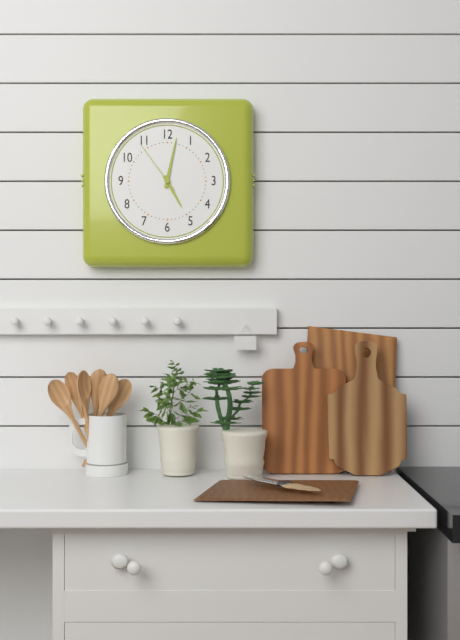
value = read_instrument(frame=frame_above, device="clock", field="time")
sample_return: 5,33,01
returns 5,02,54
